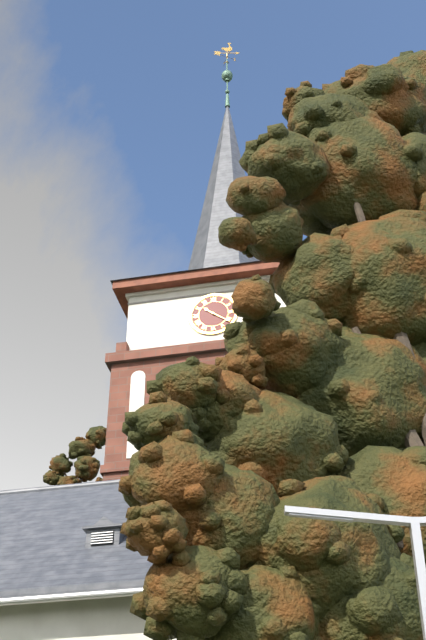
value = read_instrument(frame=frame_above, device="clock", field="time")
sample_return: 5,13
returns 10,21
